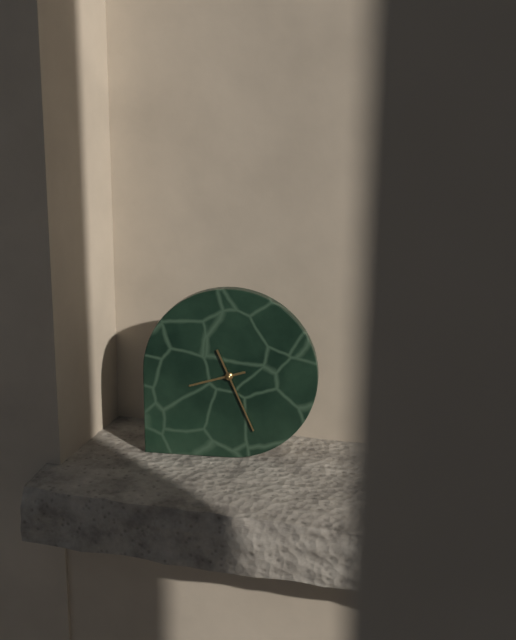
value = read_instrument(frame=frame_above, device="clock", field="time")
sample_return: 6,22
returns 8,26
